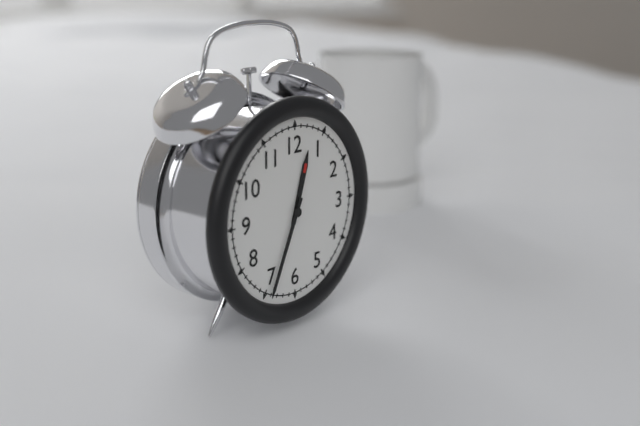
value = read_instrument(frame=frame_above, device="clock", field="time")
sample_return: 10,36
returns 12,34
